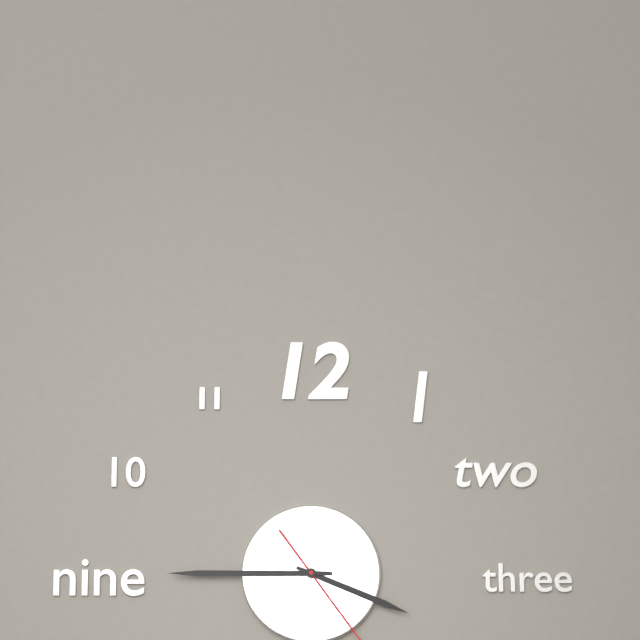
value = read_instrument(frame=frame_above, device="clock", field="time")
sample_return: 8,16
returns 3,45
